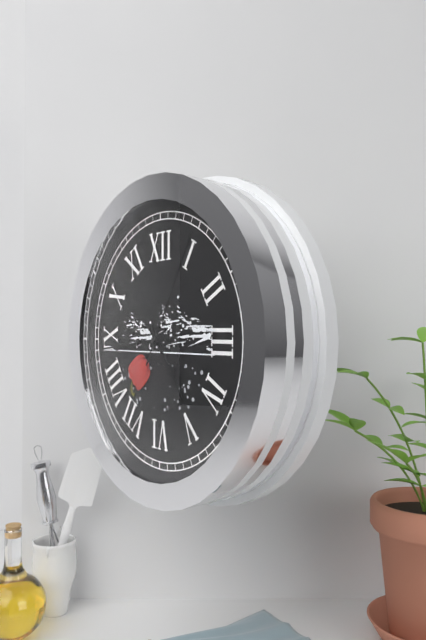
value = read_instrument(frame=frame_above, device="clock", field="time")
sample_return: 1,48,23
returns 4,44,05
